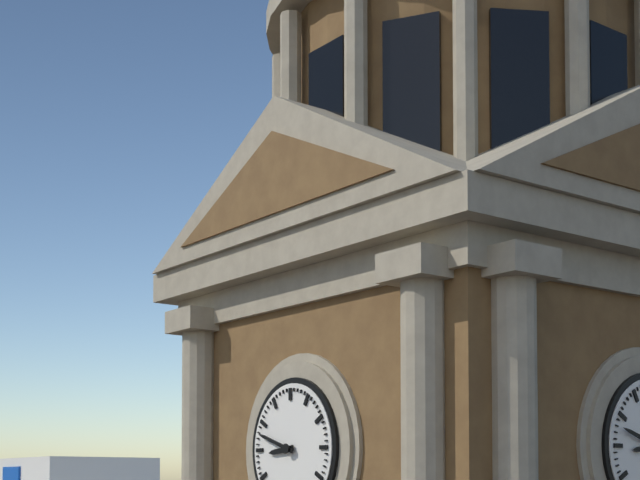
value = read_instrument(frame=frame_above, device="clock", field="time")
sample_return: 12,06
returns 8,48
